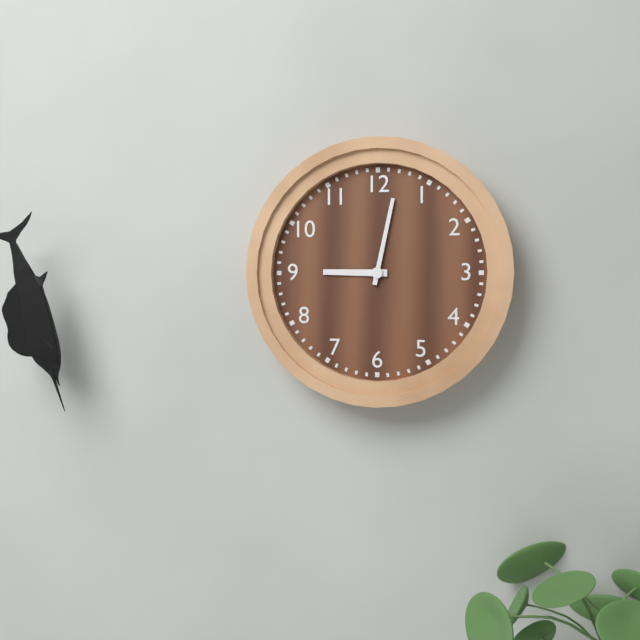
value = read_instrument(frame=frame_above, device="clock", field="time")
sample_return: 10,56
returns 9,02
